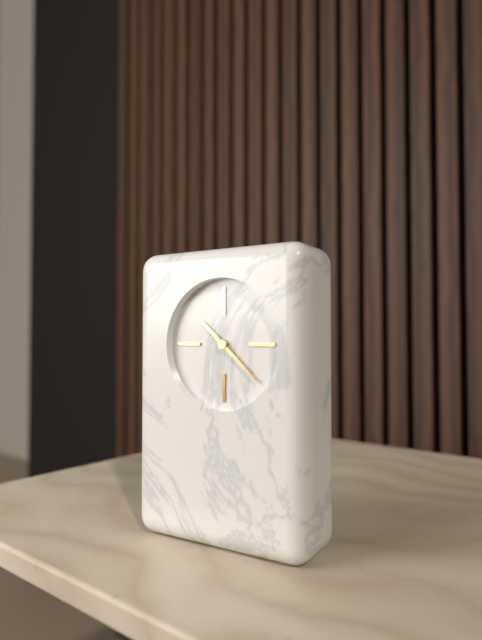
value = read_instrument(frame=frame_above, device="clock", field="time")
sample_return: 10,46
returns 10,22
